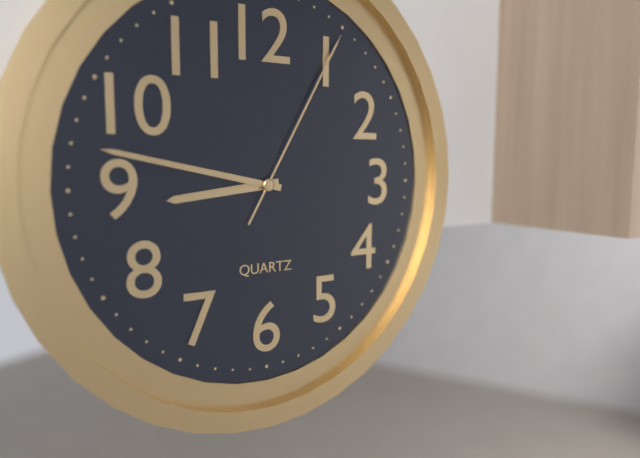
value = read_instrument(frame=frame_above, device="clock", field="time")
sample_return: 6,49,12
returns 8,47,05
